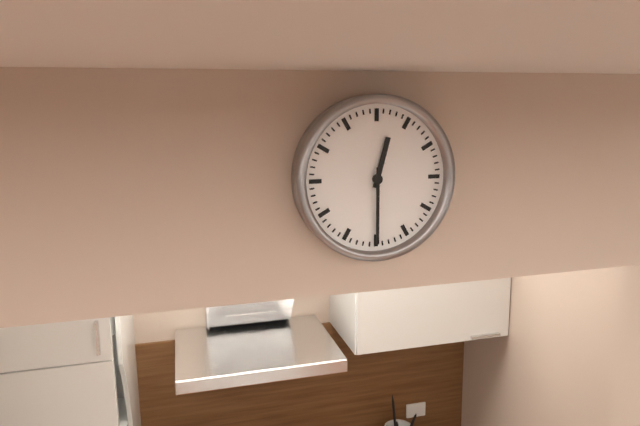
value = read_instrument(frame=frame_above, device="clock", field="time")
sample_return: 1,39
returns 12,30
